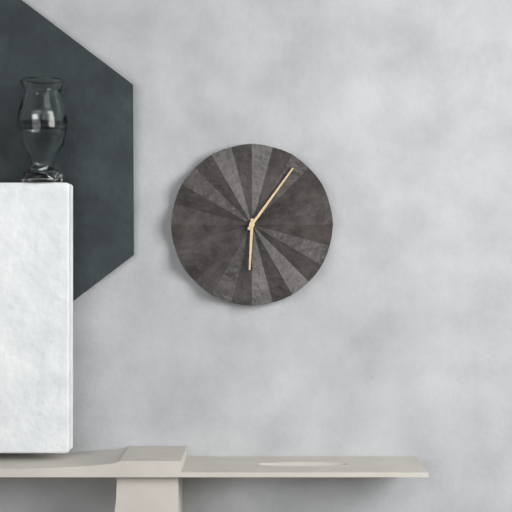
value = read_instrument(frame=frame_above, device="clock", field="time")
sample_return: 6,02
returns 6,06
